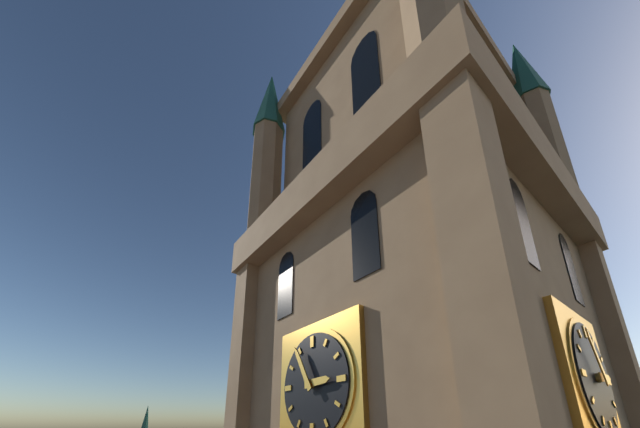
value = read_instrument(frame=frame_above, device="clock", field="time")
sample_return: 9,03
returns 2,55
